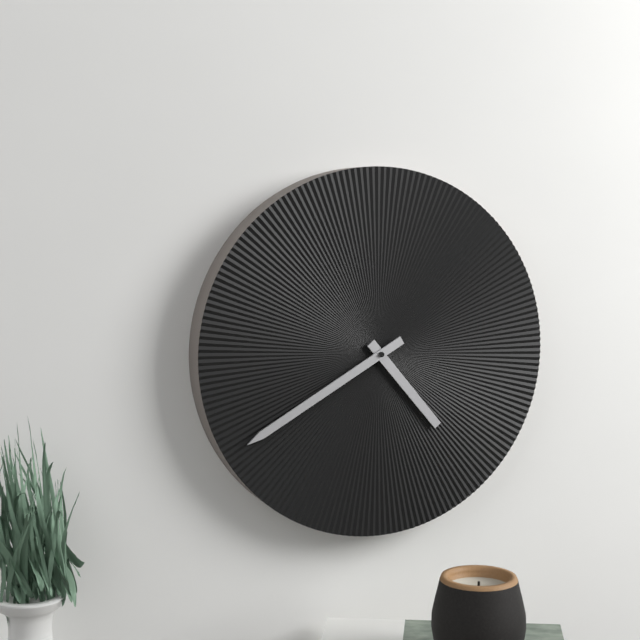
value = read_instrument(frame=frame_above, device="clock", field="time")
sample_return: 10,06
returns 4,40
